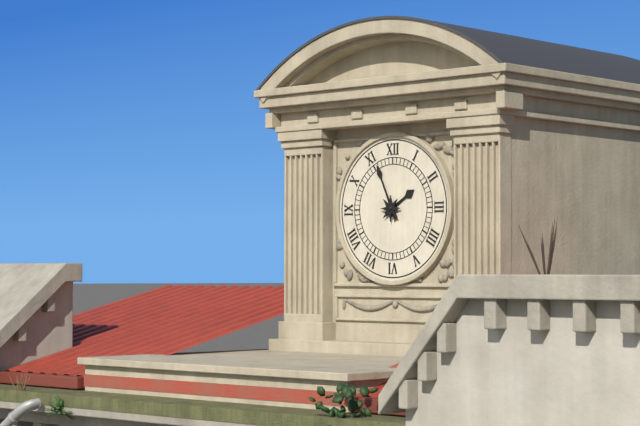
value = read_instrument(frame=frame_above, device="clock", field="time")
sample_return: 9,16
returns 1,56
